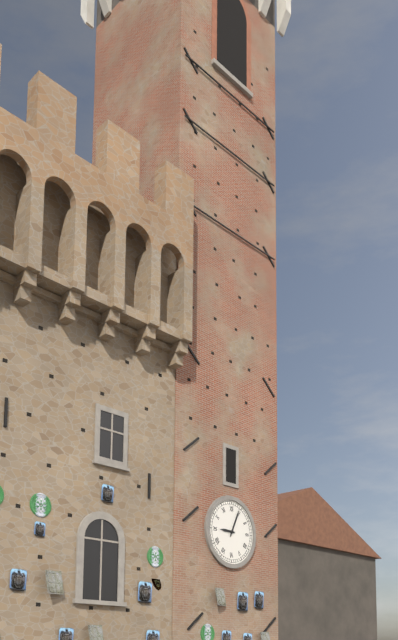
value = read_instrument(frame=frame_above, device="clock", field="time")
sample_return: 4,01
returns 9,04
